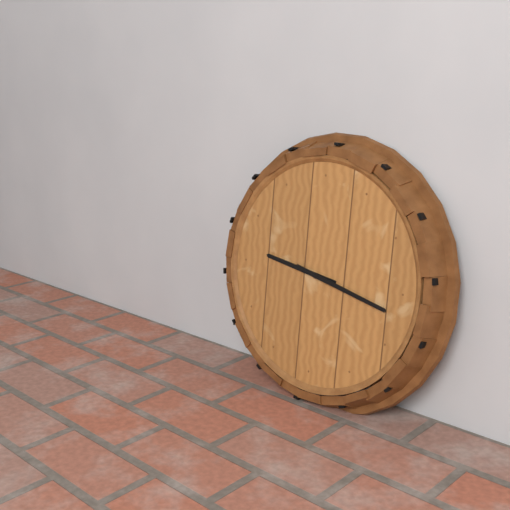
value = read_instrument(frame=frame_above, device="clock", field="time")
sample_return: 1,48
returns 9,17
